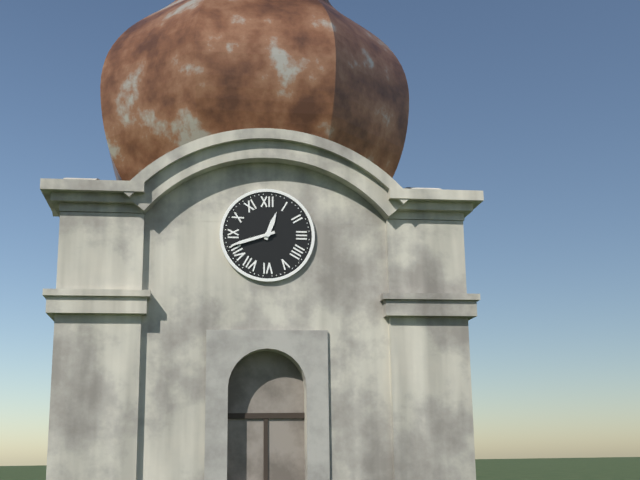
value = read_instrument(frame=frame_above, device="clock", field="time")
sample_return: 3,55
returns 12,42
